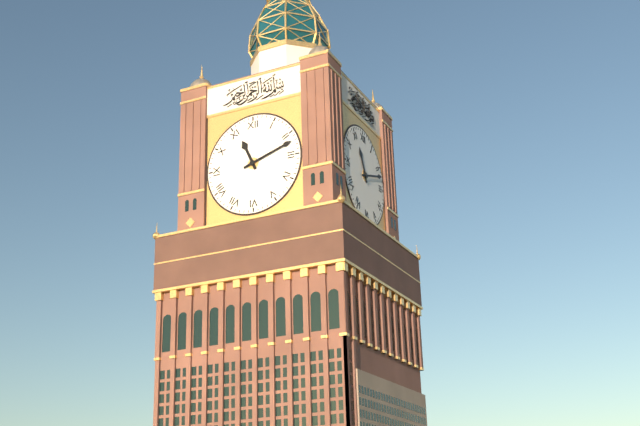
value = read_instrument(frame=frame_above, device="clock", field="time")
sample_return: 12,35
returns 11,12
